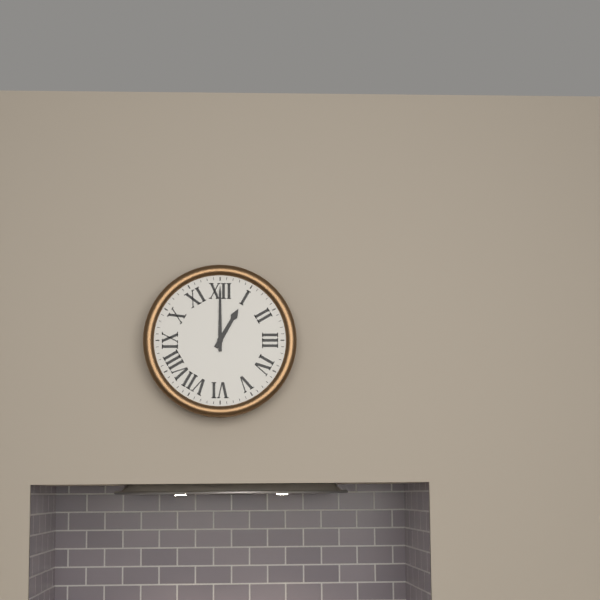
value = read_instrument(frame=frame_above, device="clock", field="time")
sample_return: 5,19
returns 1,00
